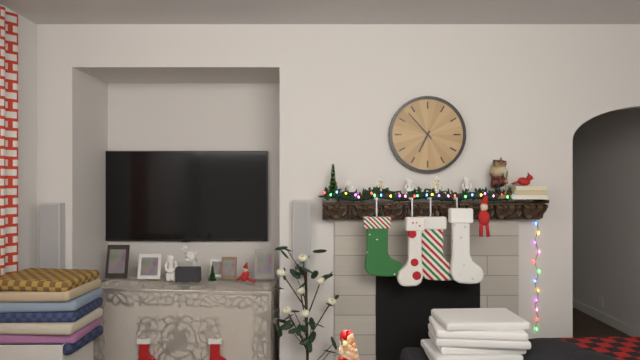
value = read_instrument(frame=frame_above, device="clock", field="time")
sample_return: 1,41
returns 6,53
